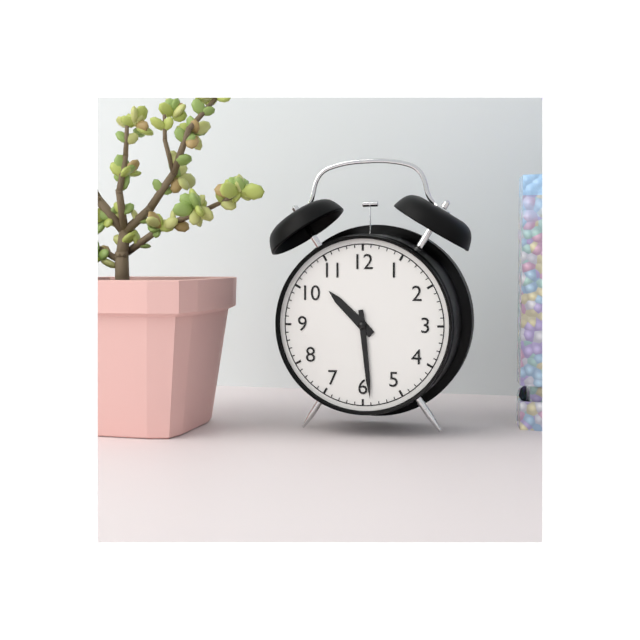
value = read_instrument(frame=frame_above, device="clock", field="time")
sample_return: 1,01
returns 10,29
